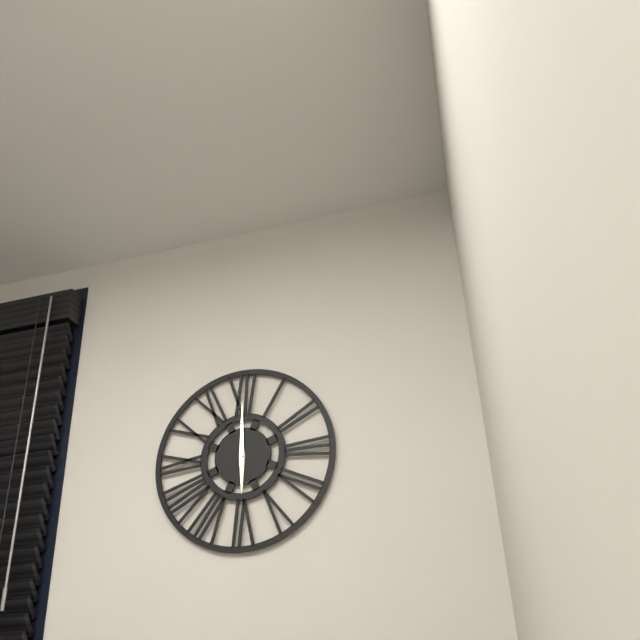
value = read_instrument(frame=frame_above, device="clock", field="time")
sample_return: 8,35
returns 6,00
